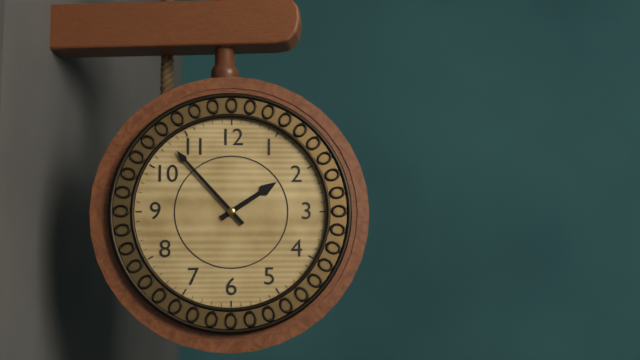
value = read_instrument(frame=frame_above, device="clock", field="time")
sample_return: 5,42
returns 1,53
